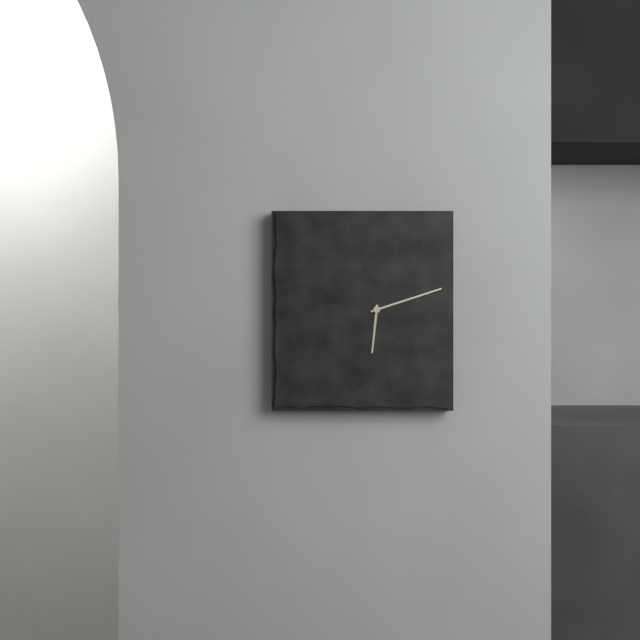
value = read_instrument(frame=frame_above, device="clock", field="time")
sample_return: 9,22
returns 6,12
